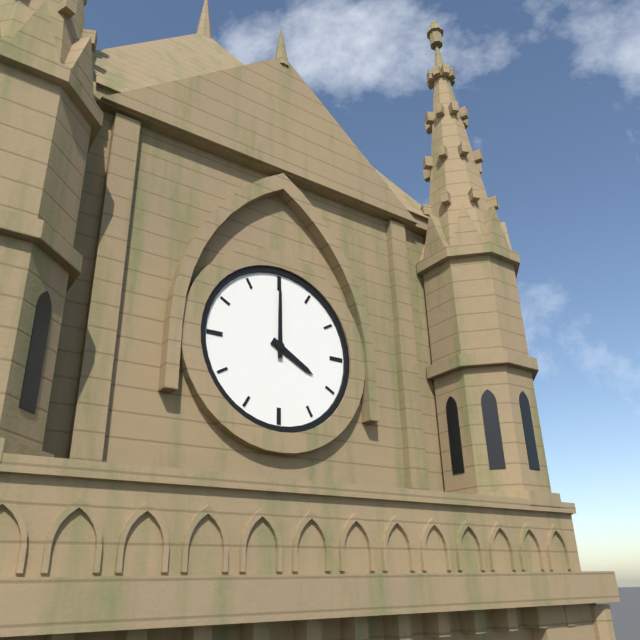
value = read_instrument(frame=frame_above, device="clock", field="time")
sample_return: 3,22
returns 4,00
